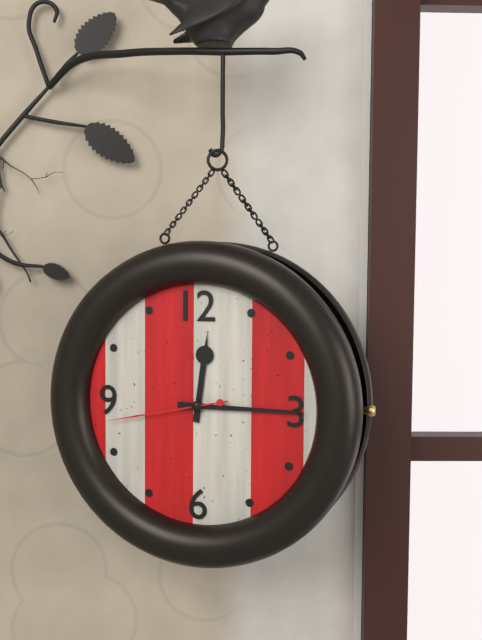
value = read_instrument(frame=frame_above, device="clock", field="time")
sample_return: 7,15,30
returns 12,15,43
